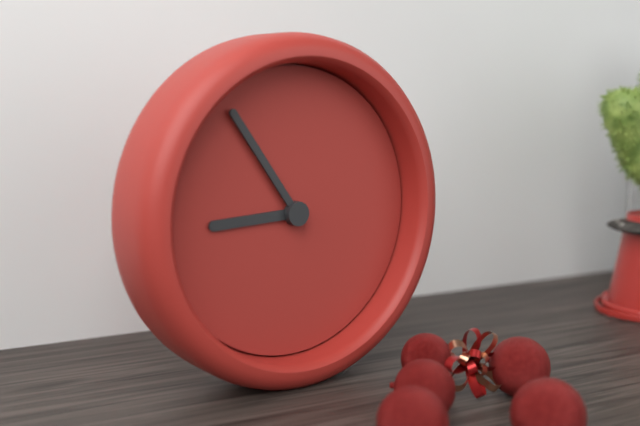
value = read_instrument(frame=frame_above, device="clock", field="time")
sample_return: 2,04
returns 8,54
